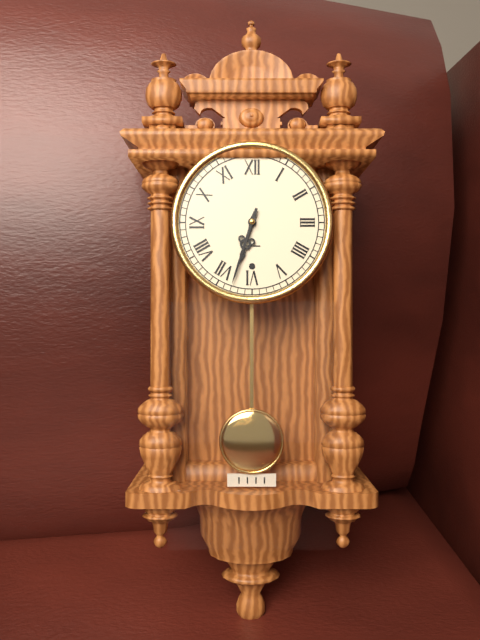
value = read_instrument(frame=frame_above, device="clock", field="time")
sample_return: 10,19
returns 6,33
